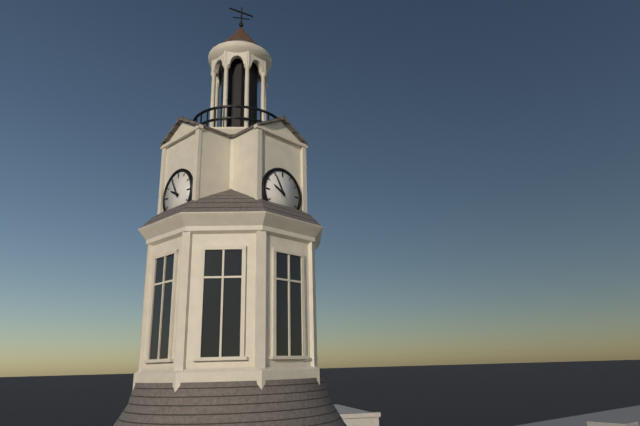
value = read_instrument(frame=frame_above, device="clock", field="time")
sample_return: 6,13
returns 9,55
